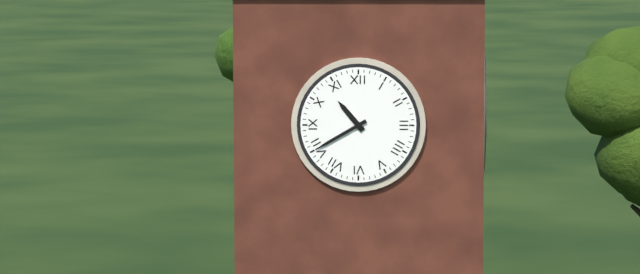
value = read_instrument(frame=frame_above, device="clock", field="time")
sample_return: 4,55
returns 10,40
